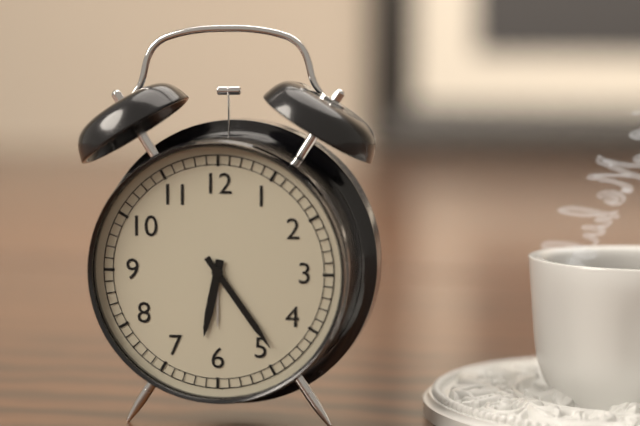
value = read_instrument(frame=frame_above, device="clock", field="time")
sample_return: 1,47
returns 6,24
